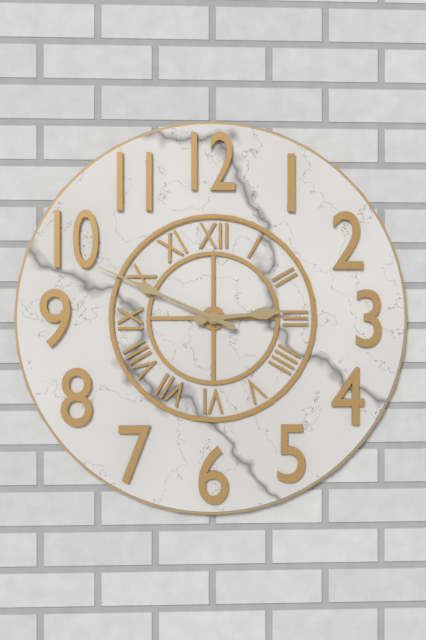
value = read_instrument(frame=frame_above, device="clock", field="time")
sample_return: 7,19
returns 2,49
